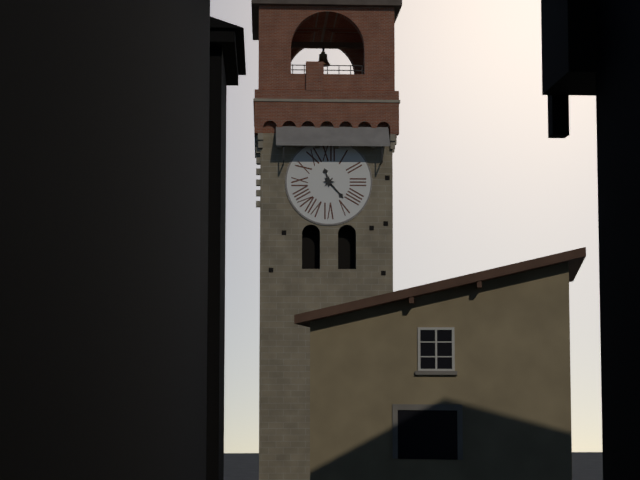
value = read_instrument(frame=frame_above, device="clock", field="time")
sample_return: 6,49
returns 11,23
